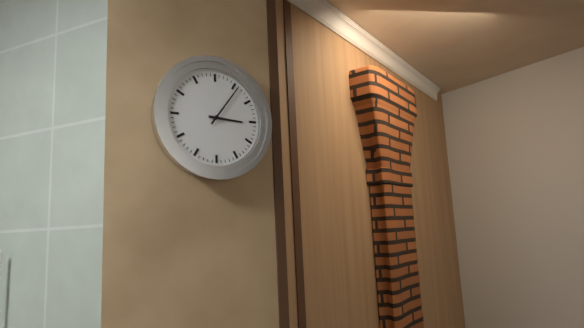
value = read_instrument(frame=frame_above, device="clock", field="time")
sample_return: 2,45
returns 3,06
